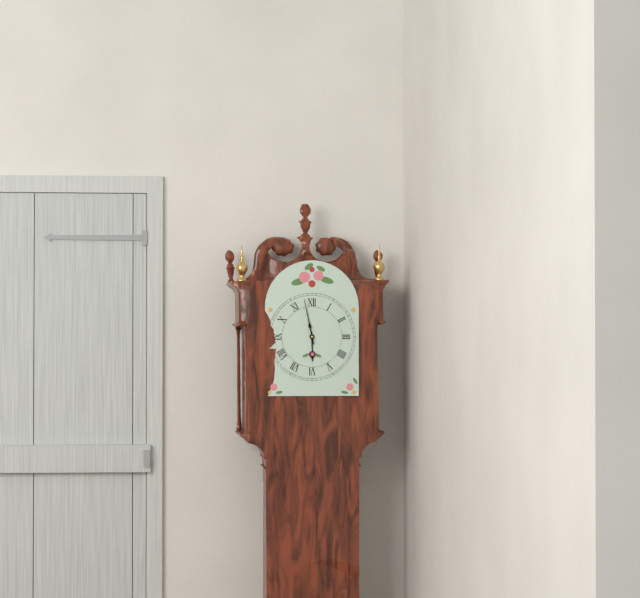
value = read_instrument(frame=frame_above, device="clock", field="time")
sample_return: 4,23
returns 5,58
